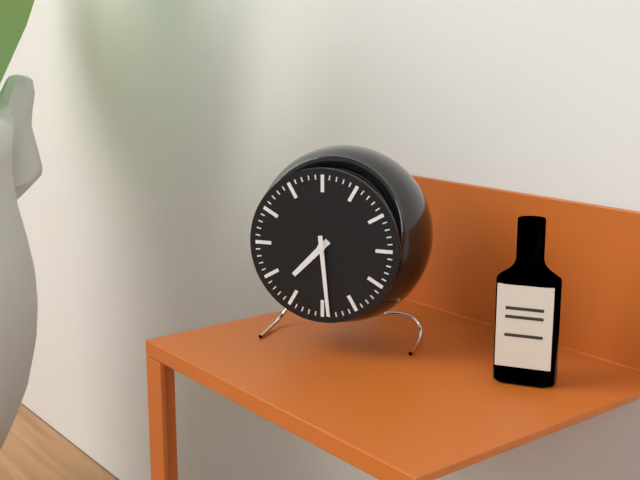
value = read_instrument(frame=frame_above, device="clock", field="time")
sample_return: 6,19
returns 7,29
